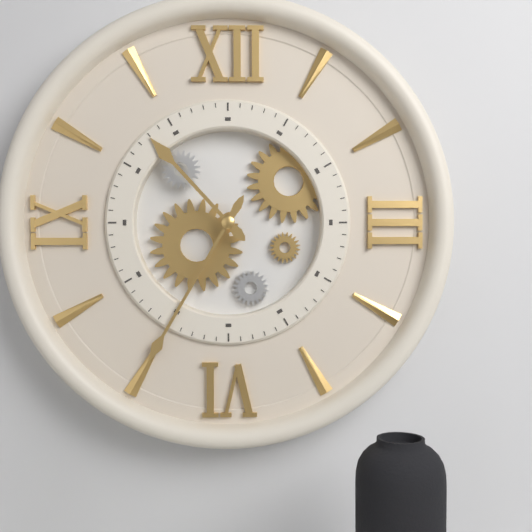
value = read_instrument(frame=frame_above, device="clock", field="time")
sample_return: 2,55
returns 10,35
